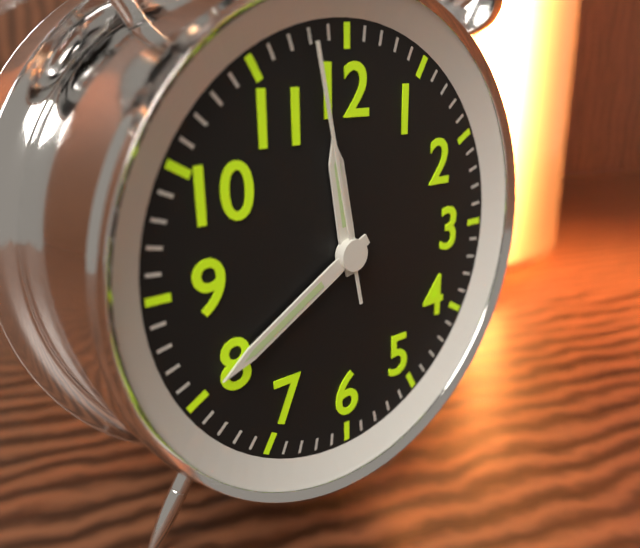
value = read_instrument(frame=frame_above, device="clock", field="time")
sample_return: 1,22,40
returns 11,40,58
